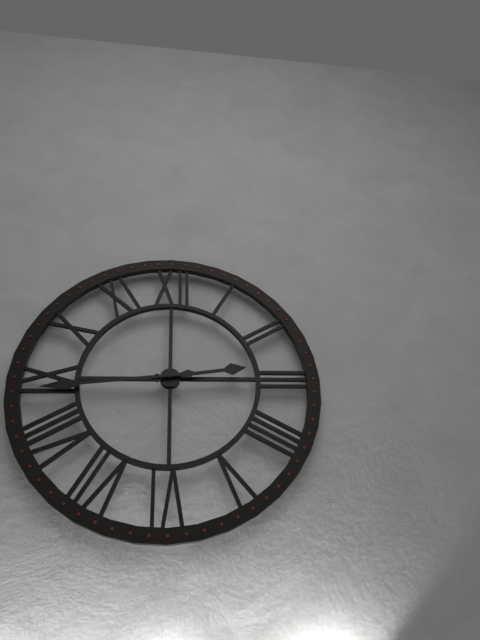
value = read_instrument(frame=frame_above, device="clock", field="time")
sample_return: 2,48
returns 2,44
